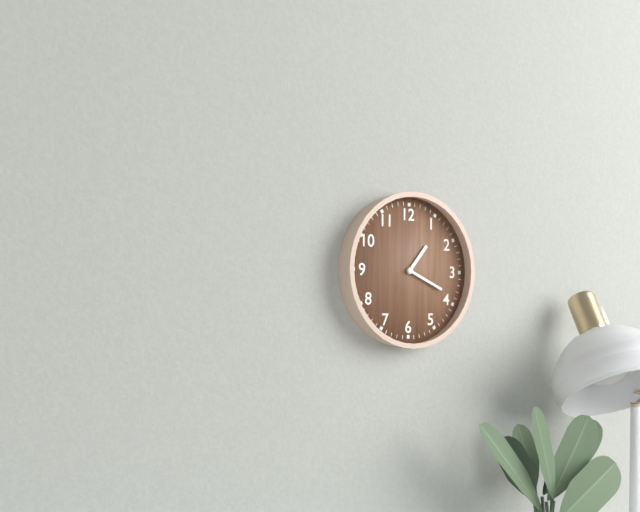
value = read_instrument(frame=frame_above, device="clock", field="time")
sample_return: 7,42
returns 1,19
